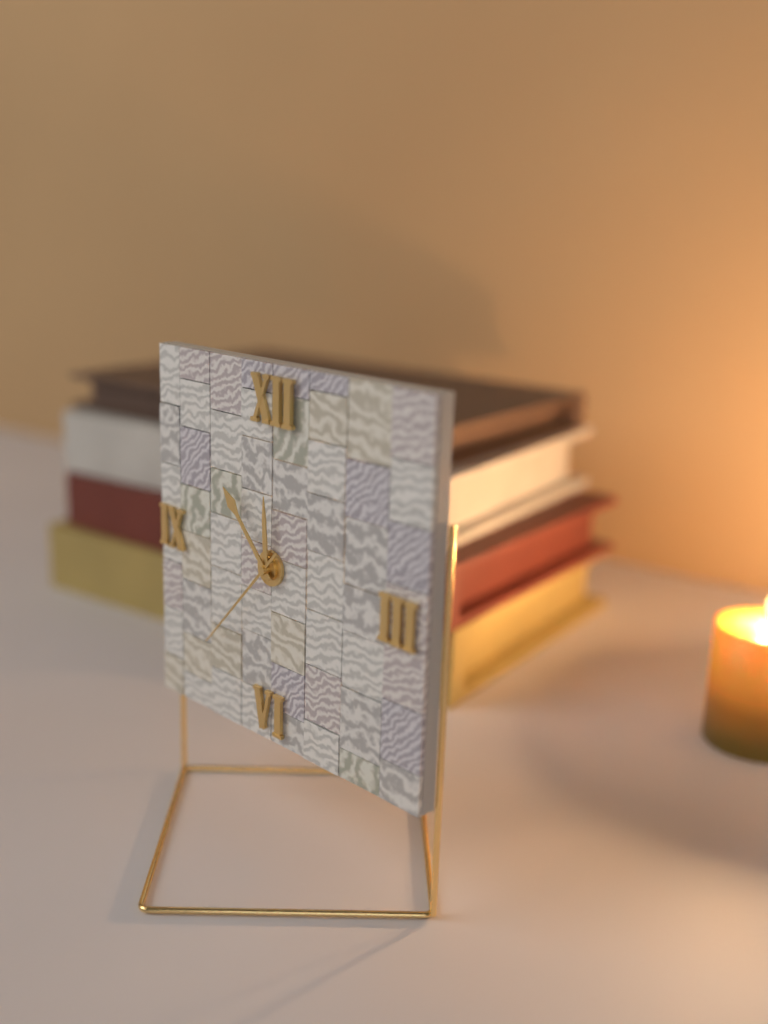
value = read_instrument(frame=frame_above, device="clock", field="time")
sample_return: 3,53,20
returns 11,53,37
